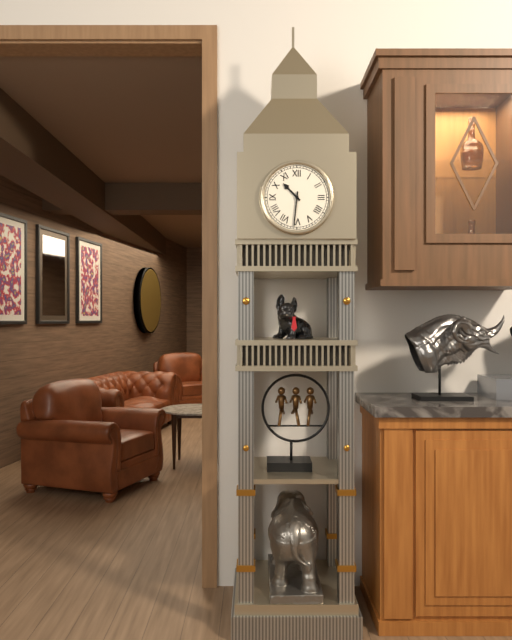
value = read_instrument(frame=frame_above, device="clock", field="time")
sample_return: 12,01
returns 10,31
